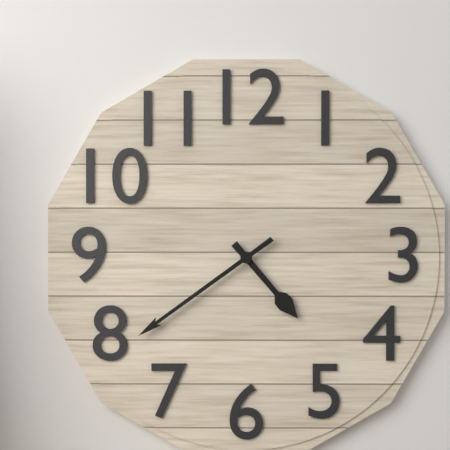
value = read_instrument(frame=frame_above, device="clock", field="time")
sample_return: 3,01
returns 4,39
